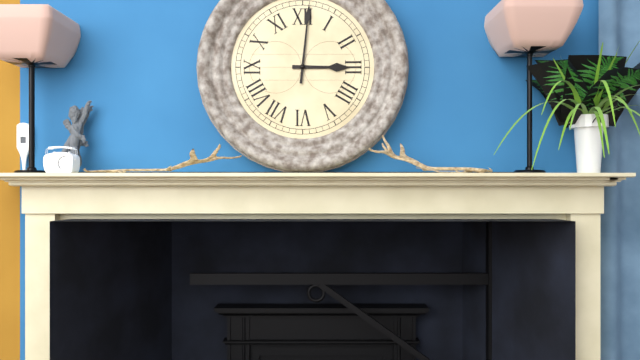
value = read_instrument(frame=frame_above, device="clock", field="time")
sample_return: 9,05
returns 3,01
